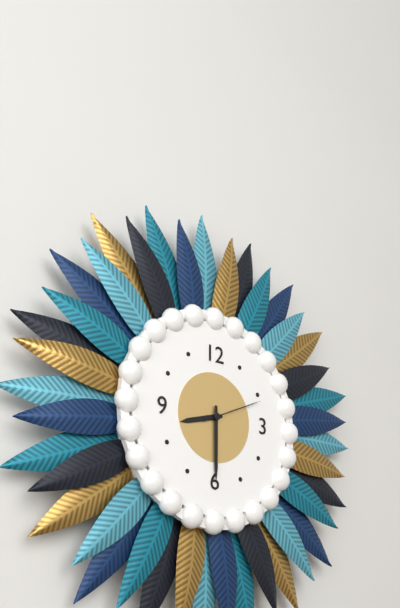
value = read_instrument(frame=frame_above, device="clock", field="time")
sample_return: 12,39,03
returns 8,30,11
